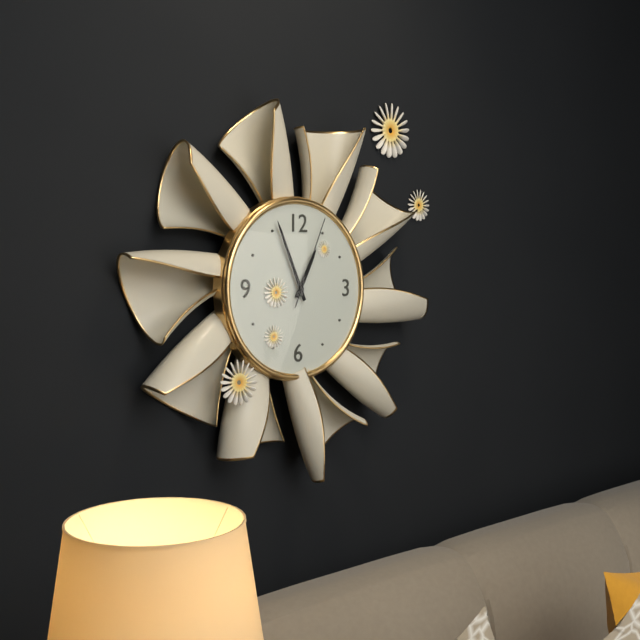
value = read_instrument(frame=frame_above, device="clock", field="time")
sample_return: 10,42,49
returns 12,56,04
